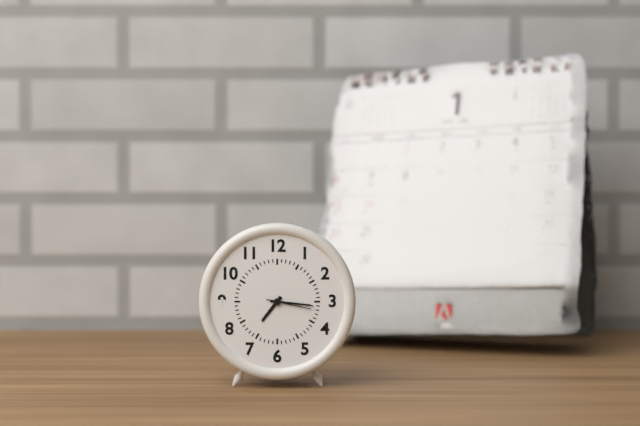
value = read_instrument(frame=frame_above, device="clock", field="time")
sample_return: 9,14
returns 7,16
